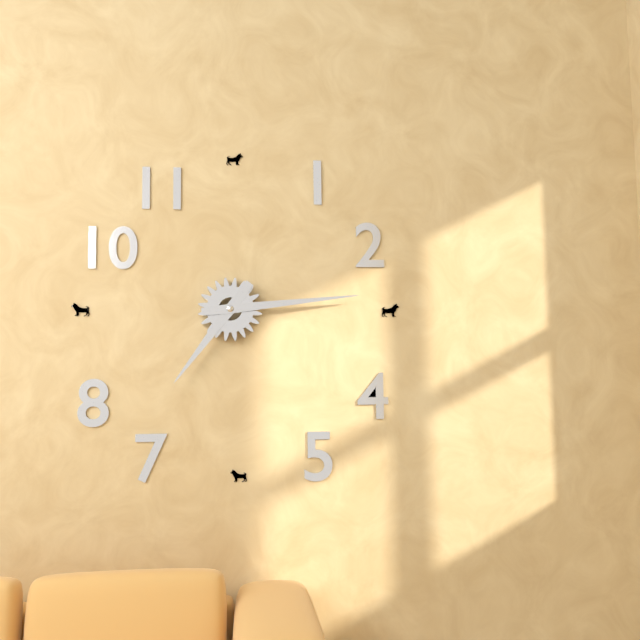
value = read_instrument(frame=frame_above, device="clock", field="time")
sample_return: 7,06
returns 7,14
